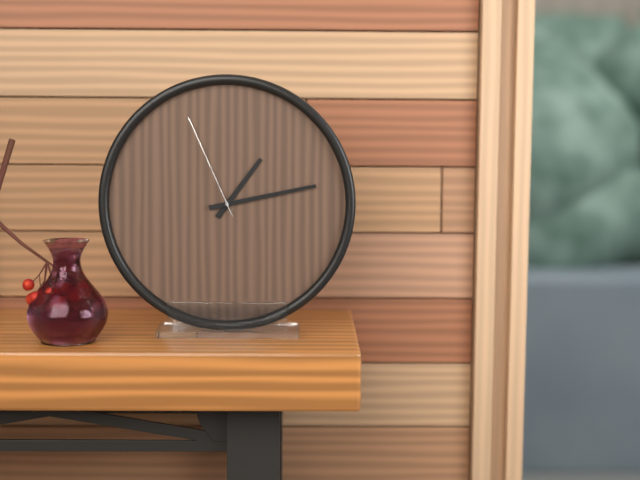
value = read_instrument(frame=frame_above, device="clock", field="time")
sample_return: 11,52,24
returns 1,13,56
